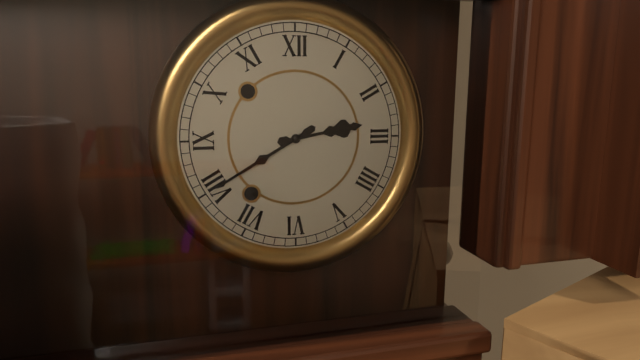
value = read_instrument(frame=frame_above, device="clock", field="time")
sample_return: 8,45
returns 2,40
